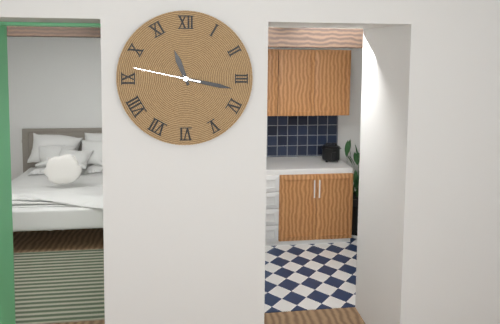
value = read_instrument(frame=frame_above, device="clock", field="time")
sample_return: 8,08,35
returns 11,17,47
